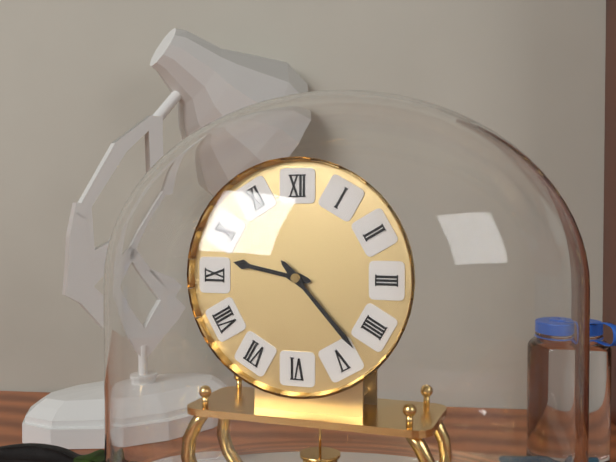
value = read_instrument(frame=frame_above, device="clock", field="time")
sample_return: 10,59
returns 9,23
